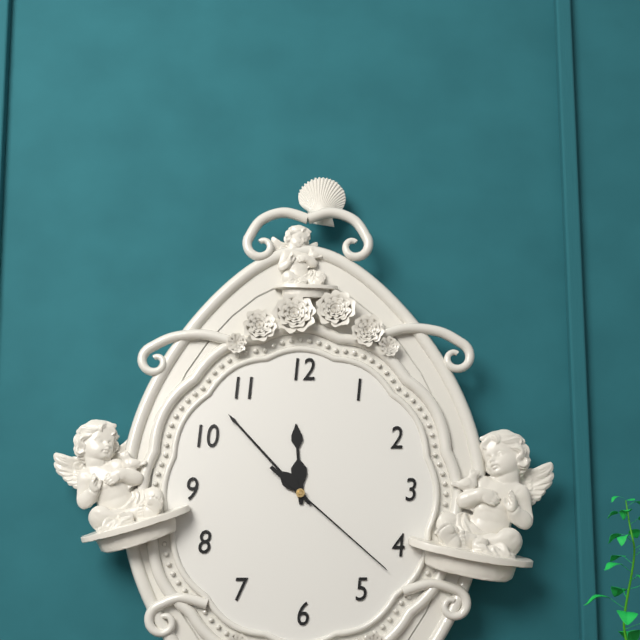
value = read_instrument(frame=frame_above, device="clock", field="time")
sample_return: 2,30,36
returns 11,53,22
